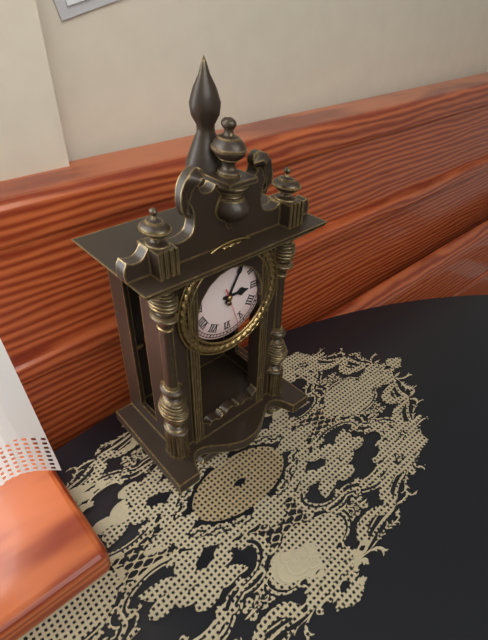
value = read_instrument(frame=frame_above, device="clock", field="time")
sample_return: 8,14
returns 3,05
